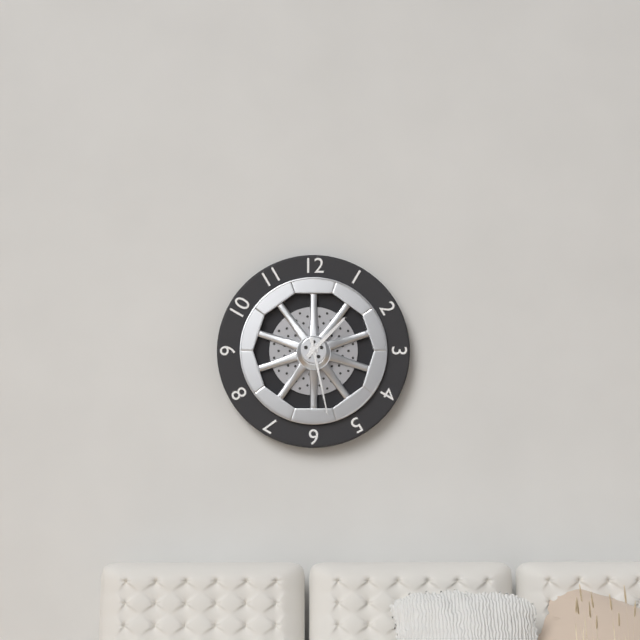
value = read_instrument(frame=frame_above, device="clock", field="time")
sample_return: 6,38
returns 1,28
